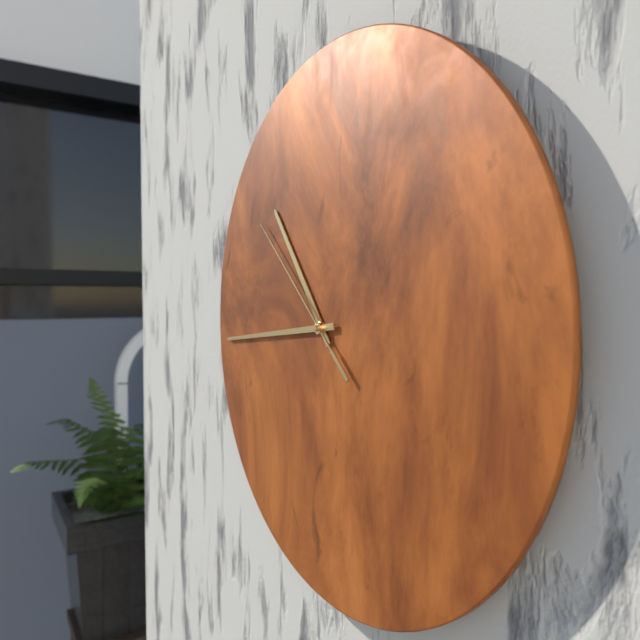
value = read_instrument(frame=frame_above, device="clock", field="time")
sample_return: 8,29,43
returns 10,44,52
